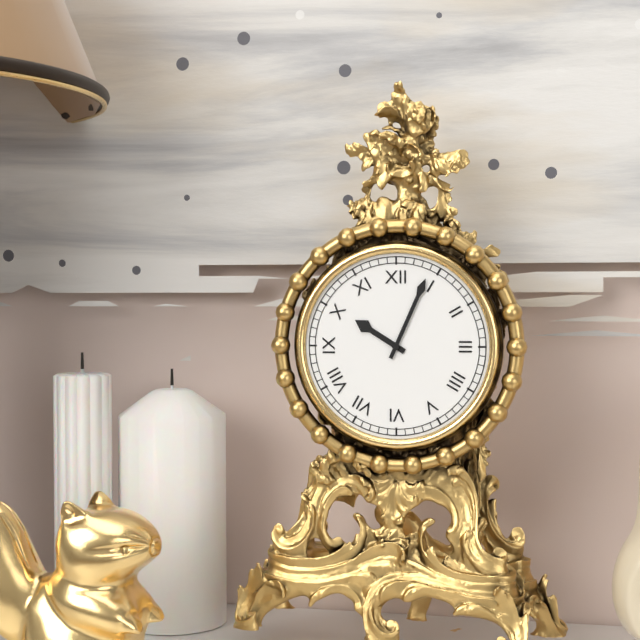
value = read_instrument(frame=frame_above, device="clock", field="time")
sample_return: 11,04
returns 10,04
